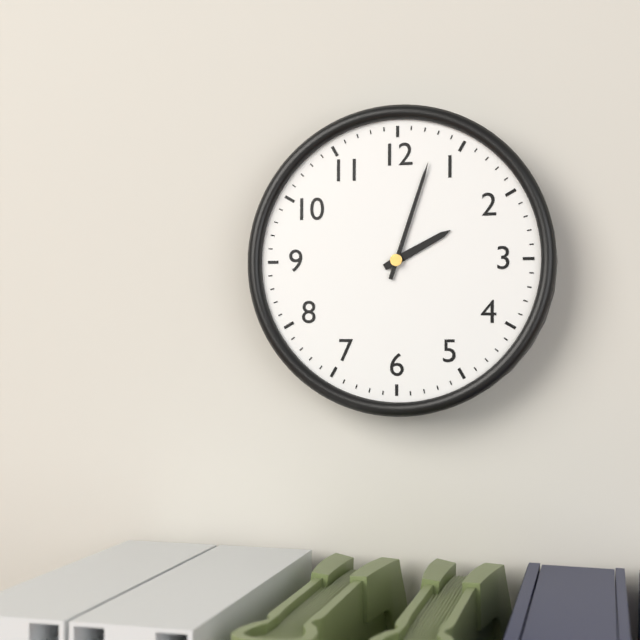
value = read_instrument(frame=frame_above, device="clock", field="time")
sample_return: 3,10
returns 2,03
